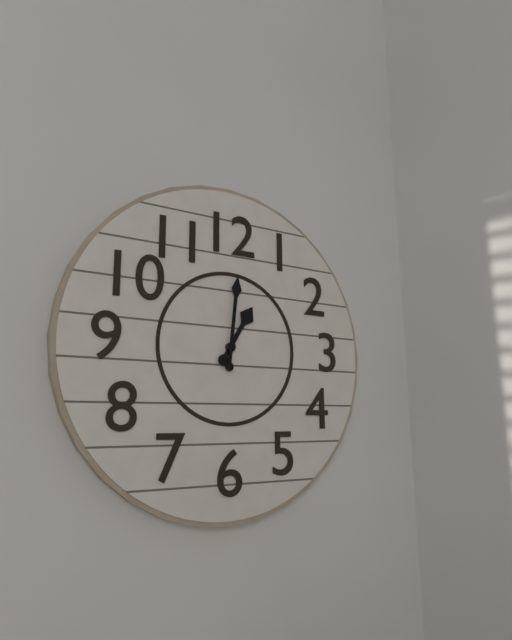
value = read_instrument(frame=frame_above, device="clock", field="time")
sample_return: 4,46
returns 1,01
